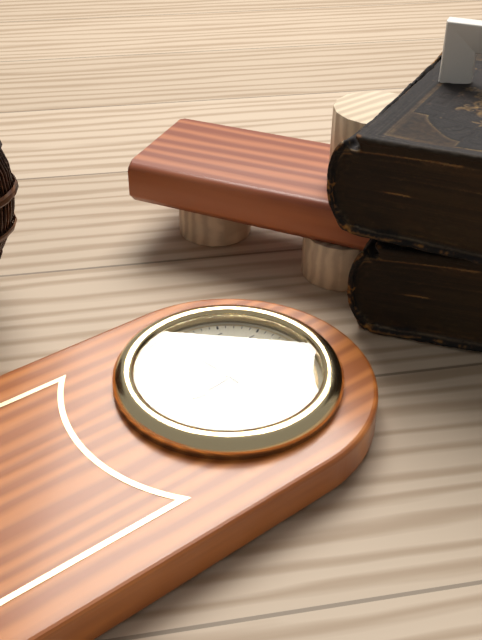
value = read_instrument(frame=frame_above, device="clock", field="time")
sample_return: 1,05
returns 5,44
